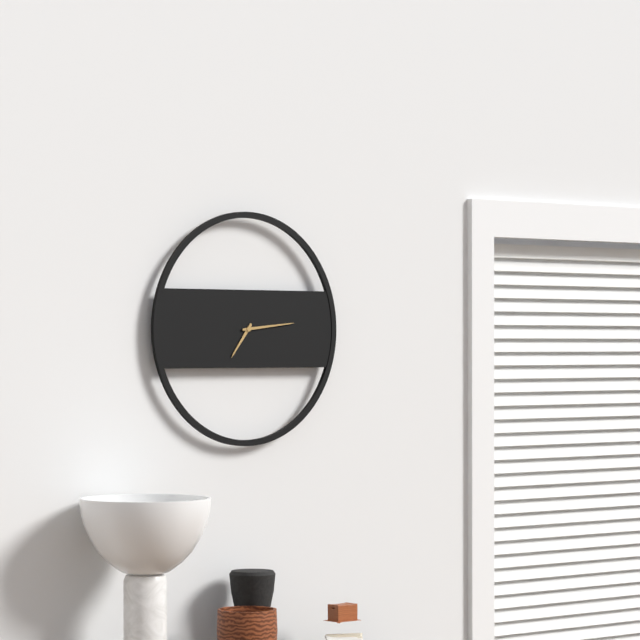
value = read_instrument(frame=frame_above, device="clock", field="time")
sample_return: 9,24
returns 7,14
